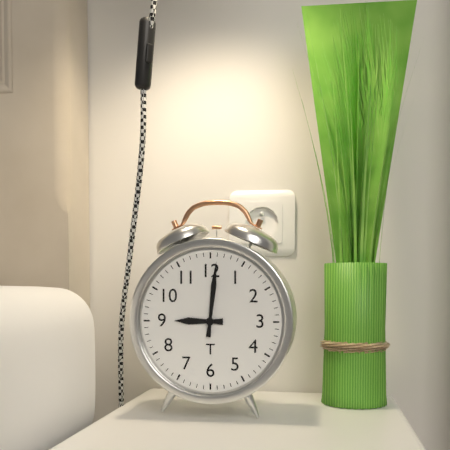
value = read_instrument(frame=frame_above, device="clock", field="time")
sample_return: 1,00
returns 9,01
